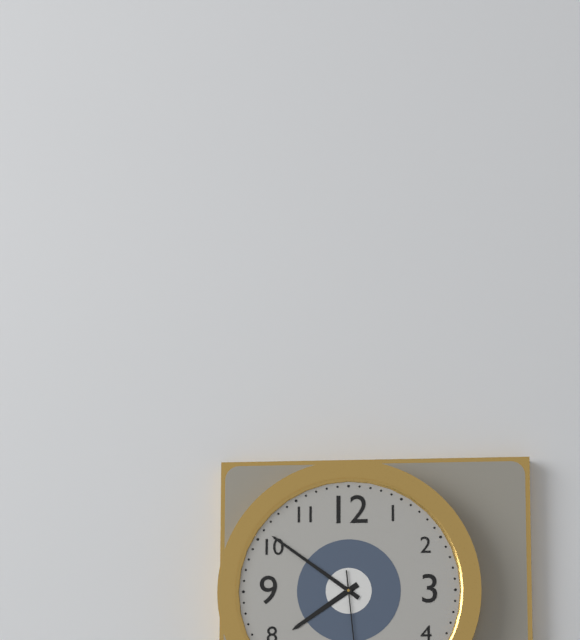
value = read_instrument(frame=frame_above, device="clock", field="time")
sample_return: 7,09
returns 7,51
